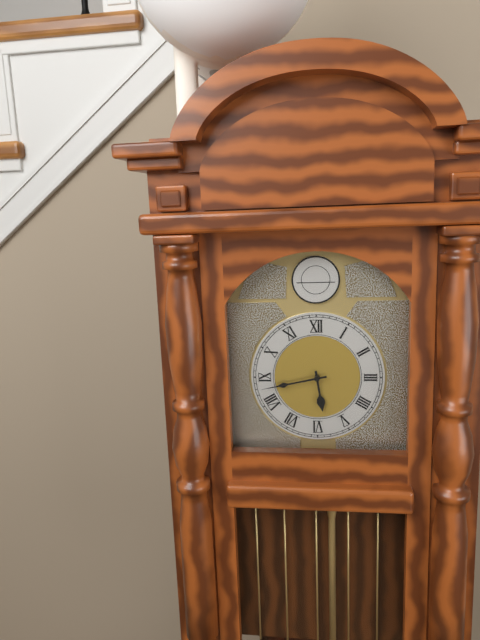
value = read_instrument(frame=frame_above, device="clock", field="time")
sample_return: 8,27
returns 5,43
